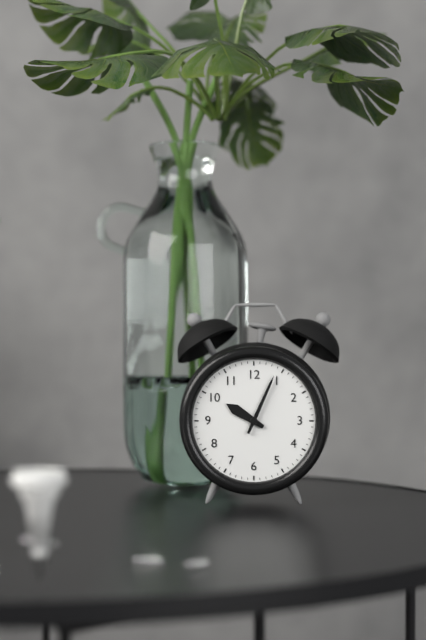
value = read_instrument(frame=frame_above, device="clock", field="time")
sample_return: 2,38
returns 10,04
